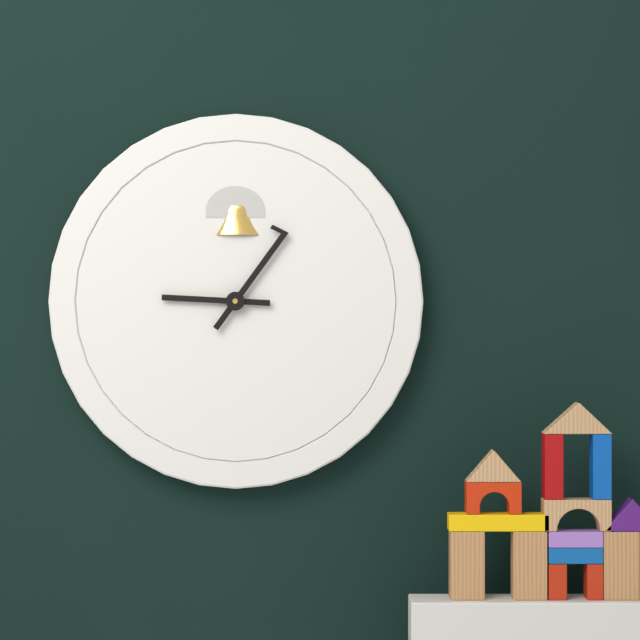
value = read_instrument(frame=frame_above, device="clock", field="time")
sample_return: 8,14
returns 9,06
